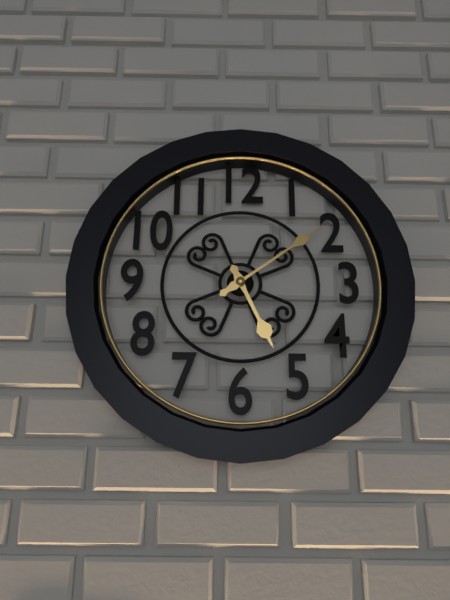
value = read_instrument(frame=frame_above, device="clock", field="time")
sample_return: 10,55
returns 5,09
